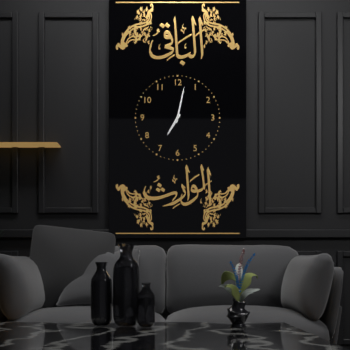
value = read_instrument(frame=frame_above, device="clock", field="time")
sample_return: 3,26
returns 7,02
